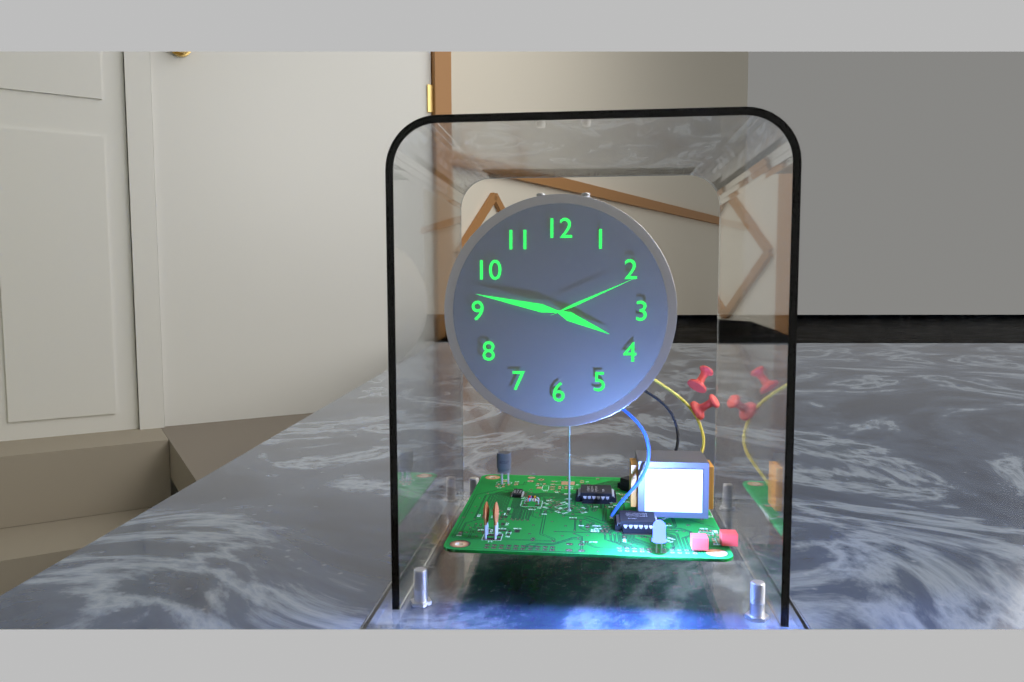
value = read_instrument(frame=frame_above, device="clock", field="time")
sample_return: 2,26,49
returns 3,47,11
